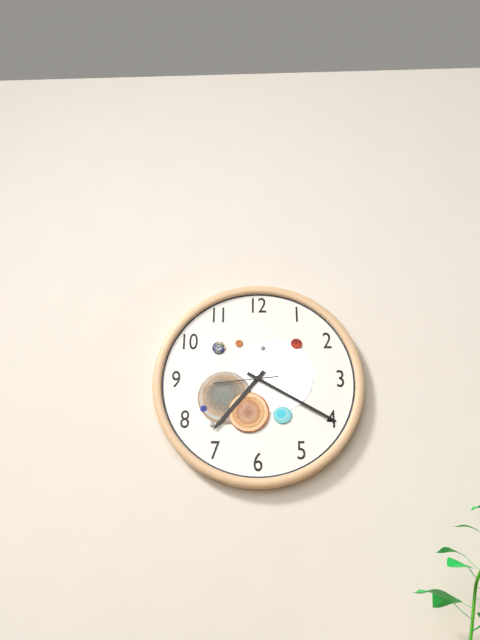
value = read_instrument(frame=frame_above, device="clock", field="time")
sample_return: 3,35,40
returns 7,20,44
